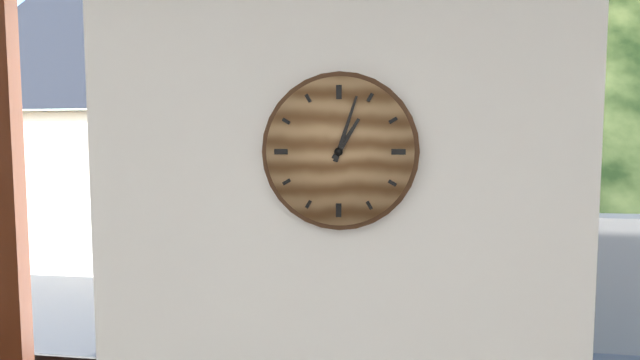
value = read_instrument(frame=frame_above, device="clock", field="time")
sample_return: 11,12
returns 1,03
